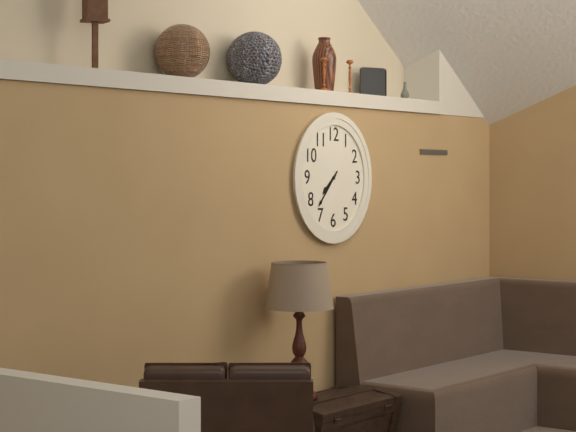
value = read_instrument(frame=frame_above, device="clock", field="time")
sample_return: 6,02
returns 7,37
